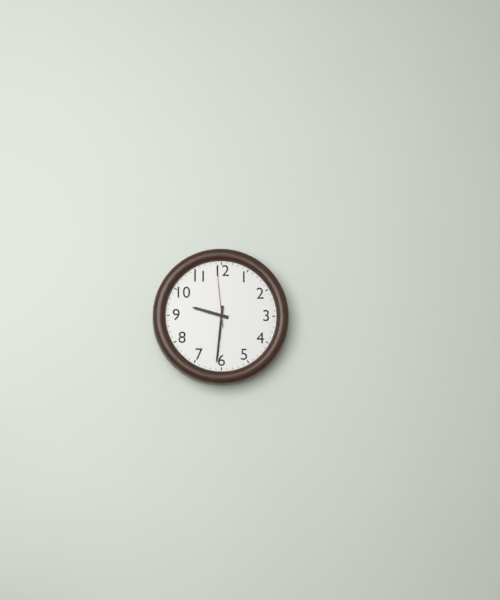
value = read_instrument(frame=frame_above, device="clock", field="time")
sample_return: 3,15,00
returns 9,31,59
